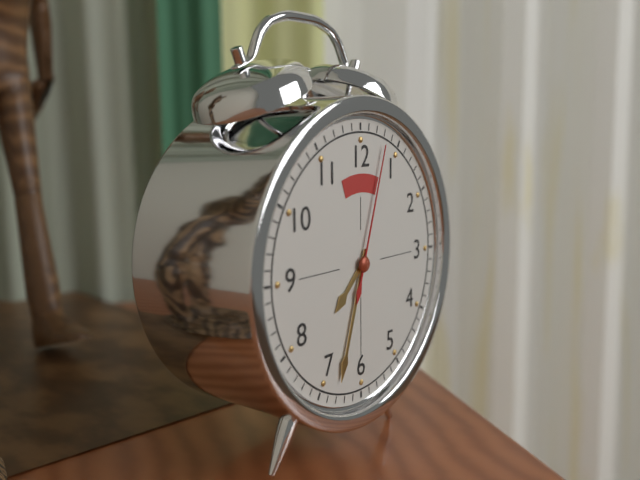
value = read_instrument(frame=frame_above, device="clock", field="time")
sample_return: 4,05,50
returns 7,33,03
